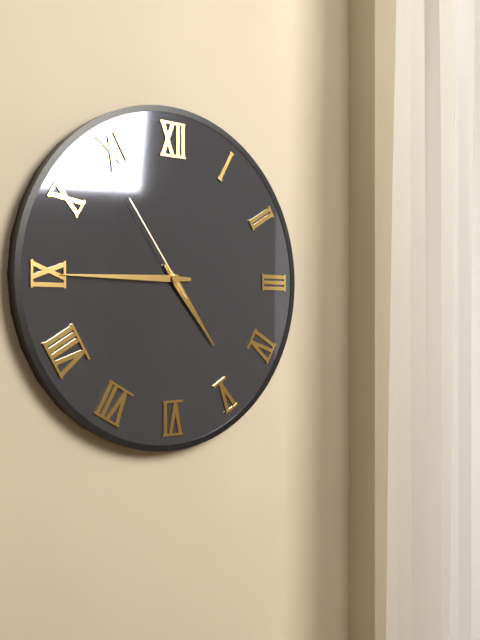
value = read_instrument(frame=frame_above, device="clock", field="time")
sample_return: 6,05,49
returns 4,45,54
